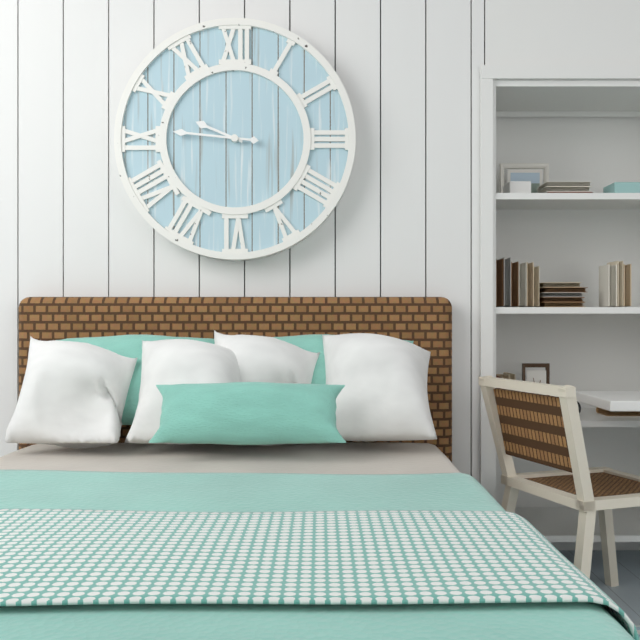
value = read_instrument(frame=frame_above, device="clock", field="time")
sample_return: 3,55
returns 9,46
